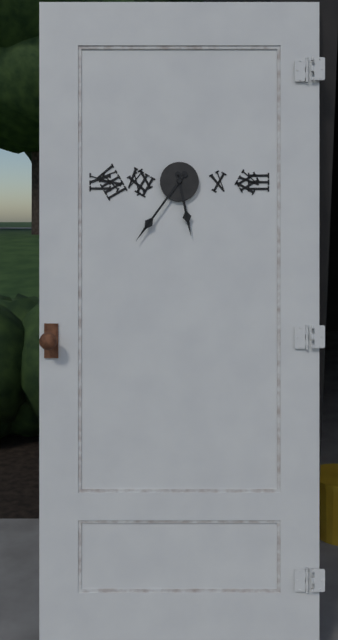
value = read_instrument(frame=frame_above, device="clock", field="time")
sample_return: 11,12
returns 5,36
